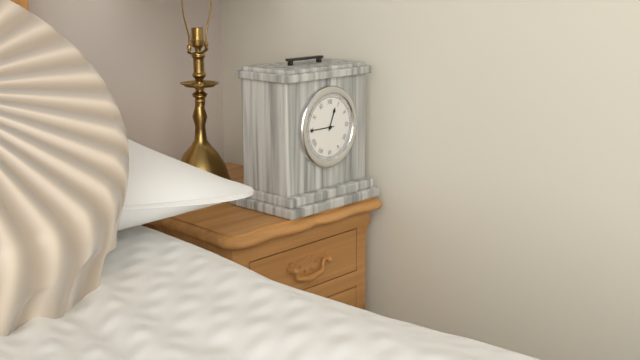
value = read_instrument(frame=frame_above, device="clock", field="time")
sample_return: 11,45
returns 12,45
